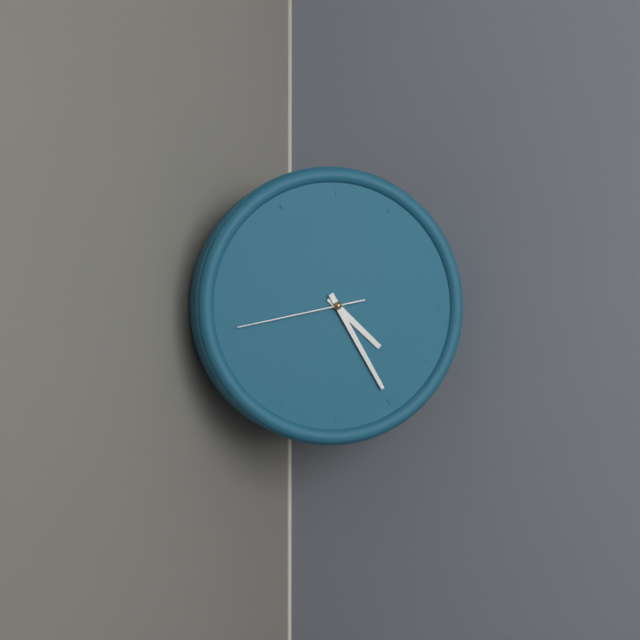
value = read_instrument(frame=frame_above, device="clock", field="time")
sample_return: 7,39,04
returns 4,25,43
